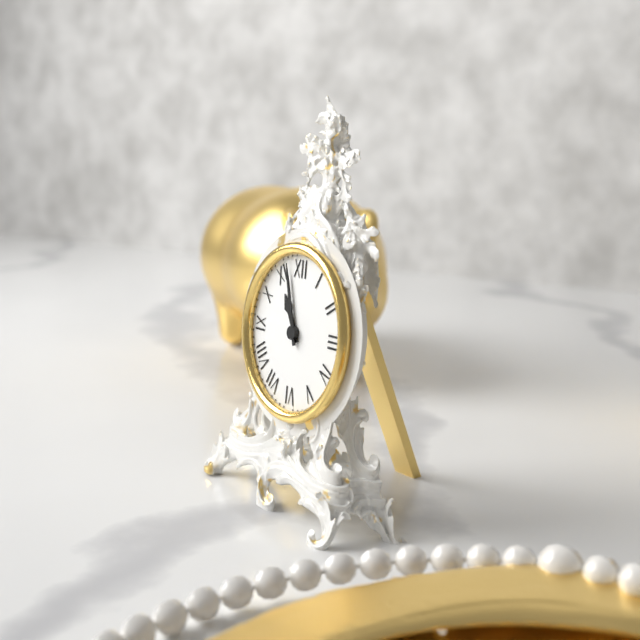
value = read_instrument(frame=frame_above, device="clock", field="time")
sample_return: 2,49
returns 10,57
